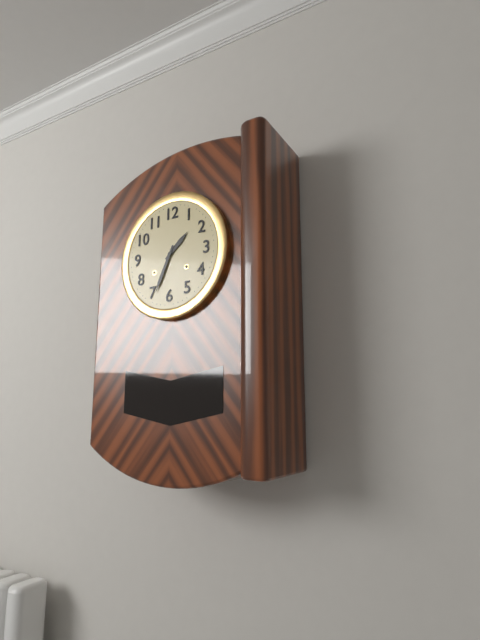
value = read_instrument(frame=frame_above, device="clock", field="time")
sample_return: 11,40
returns 1,34
